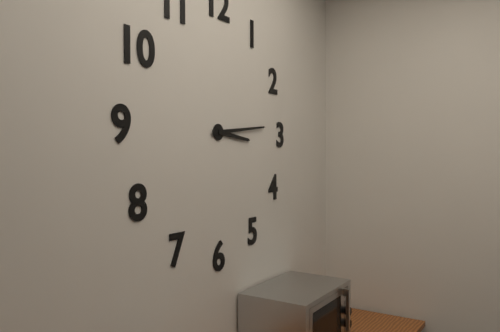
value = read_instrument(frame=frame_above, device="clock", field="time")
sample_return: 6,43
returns 3,14
